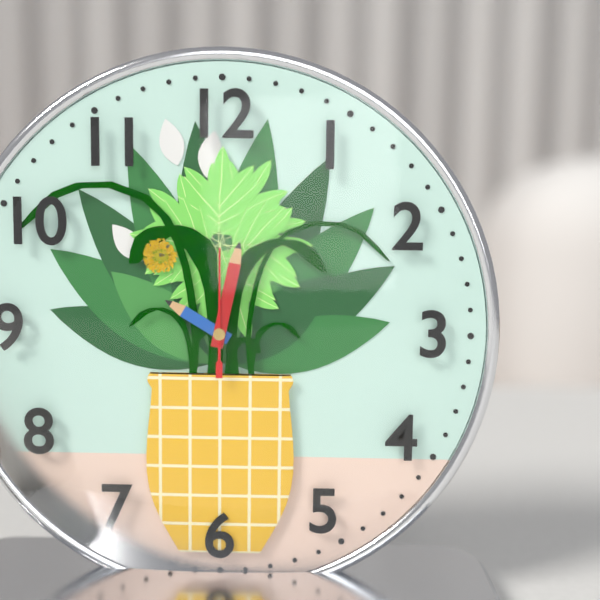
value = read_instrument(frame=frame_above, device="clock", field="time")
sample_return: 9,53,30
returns 10,02,00
